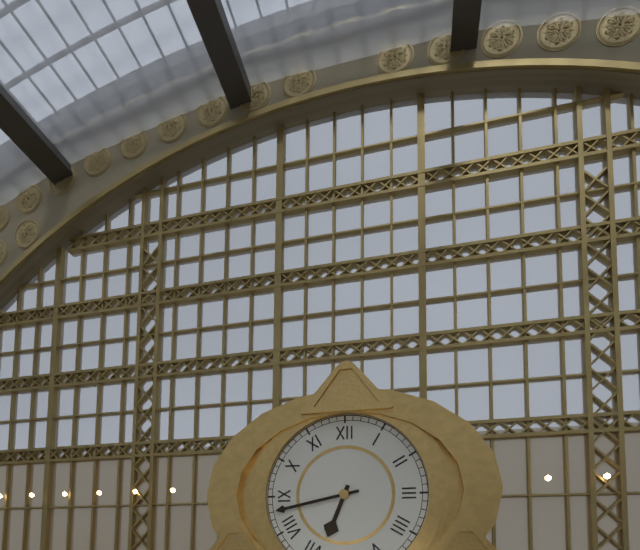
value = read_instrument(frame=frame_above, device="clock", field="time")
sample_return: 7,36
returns 6,43
